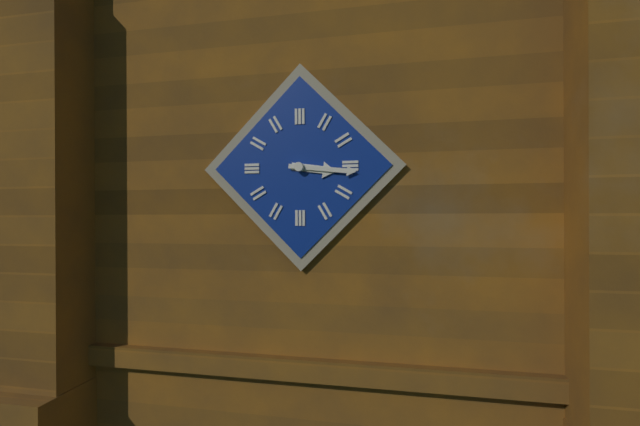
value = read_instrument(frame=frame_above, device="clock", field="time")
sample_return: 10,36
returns 3,16
